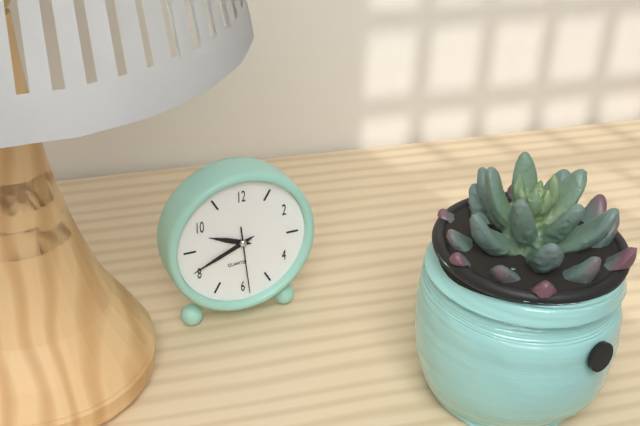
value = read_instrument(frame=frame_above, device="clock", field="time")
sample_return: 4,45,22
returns 9,41,29
